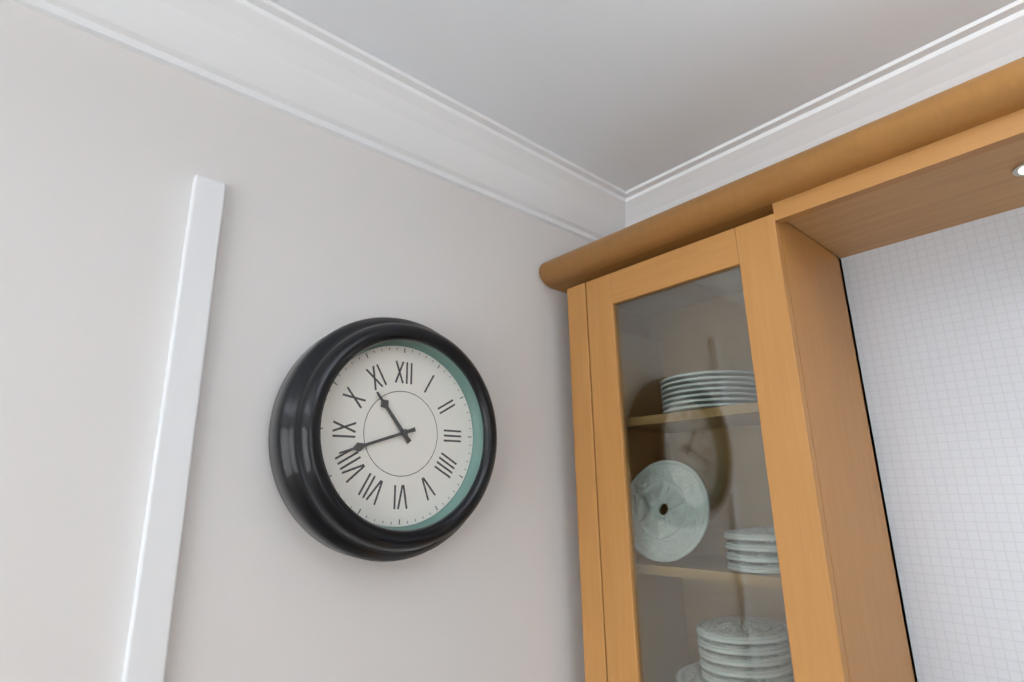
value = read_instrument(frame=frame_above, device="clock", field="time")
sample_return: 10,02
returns 10,42
